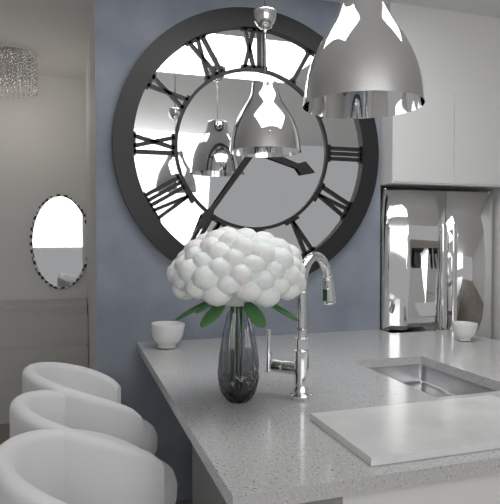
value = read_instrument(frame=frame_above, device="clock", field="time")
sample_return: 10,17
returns 3,36
